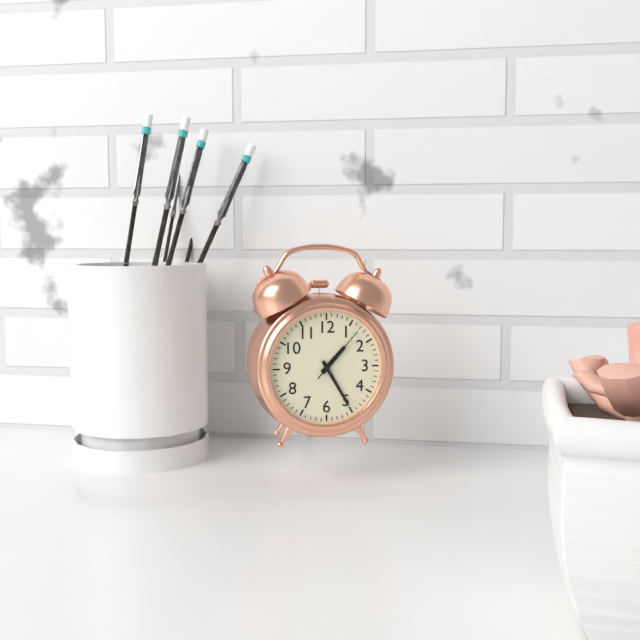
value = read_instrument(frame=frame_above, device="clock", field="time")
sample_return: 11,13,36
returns 1,25,07
